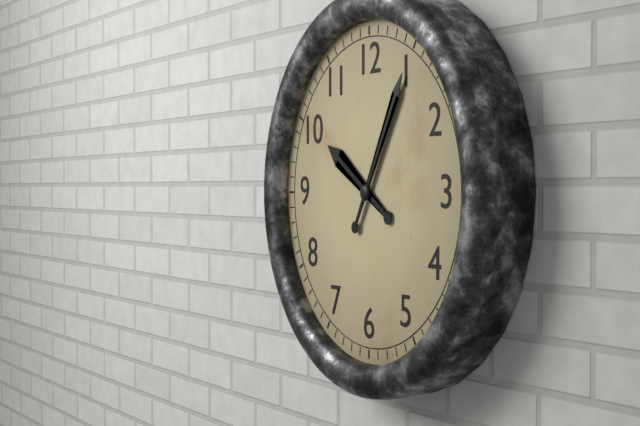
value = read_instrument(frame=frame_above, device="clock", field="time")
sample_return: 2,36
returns 10,05
